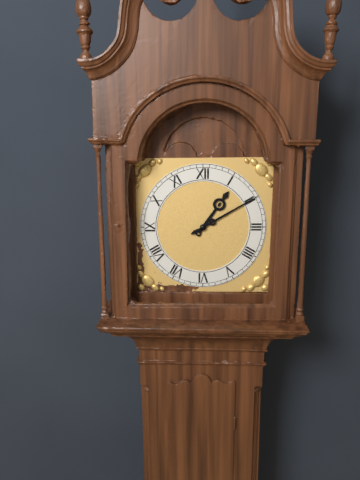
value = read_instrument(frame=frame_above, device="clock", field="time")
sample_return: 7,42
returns 1,10
